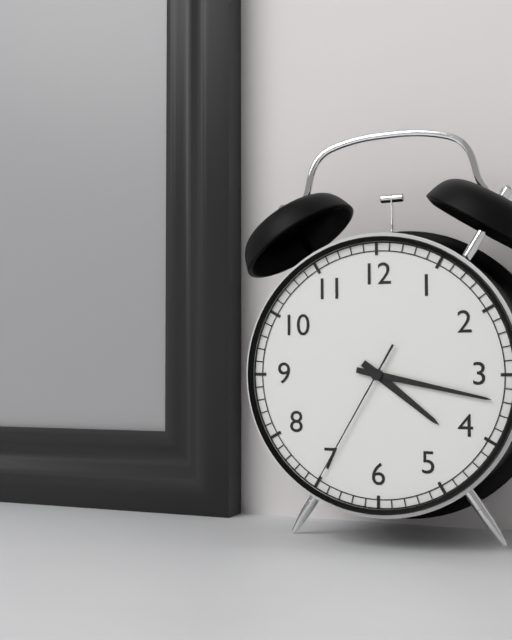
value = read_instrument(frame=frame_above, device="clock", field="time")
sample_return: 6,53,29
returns 4,17,35
